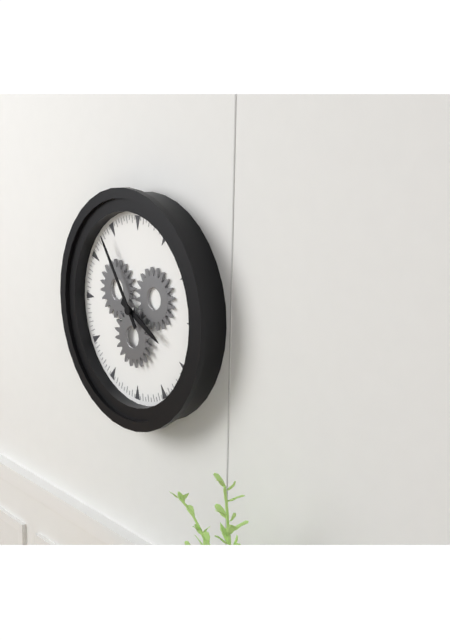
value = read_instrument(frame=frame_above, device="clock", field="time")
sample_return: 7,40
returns 3,54
